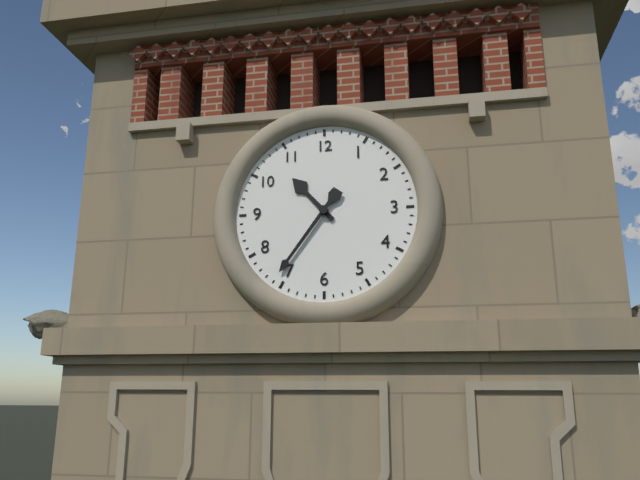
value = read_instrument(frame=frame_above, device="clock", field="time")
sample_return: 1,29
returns 10,36
